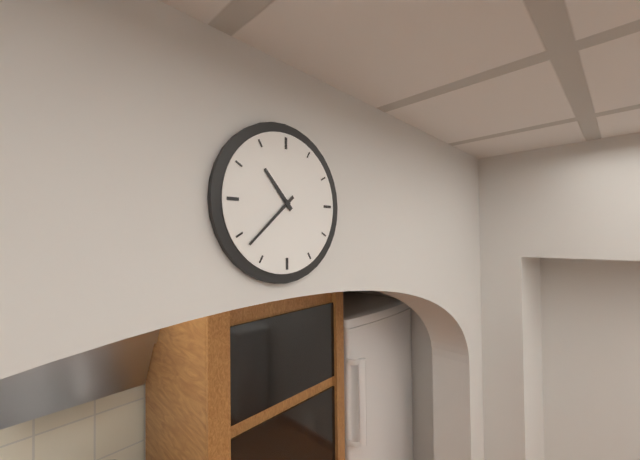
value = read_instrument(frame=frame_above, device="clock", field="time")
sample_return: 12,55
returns 10,38
